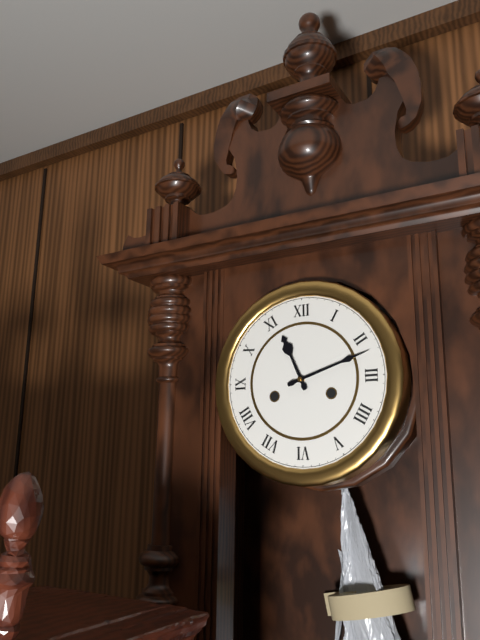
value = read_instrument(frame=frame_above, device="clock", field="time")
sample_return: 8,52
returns 11,12
